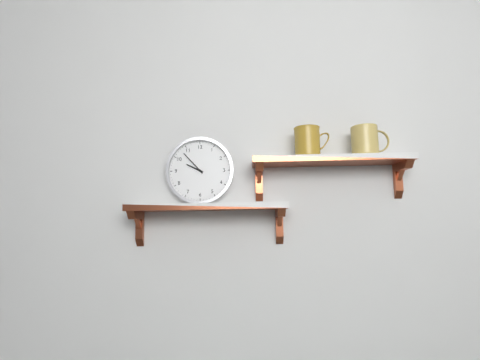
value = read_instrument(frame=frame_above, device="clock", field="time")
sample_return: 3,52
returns 9,53
